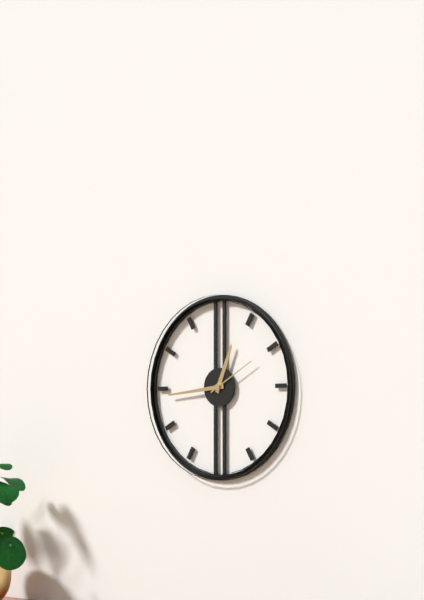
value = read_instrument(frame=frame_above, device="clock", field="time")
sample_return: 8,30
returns 12,44
